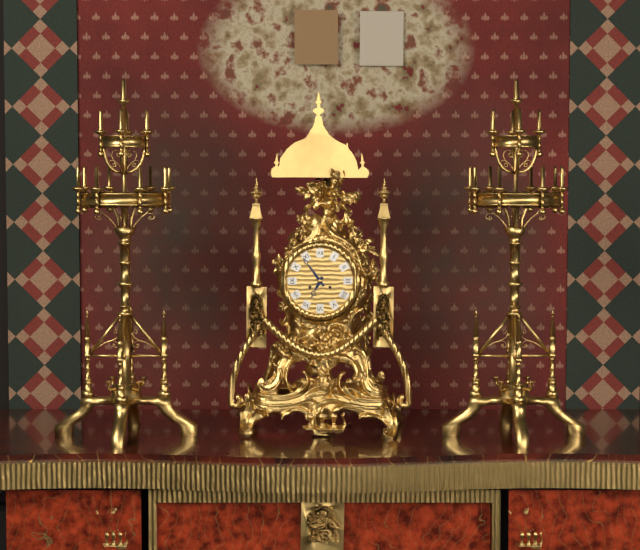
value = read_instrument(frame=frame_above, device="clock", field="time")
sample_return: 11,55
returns 6,54
